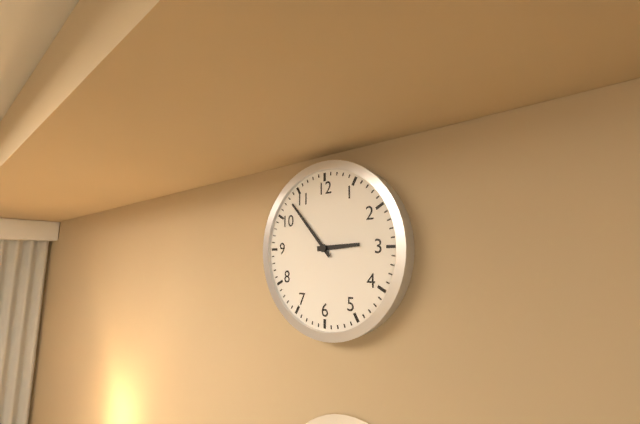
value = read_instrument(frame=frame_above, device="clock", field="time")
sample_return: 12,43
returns 2,53
